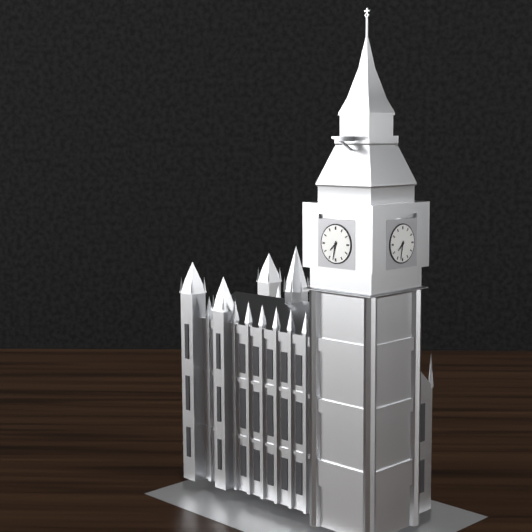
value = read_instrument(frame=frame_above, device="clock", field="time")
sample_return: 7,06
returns 7,32
